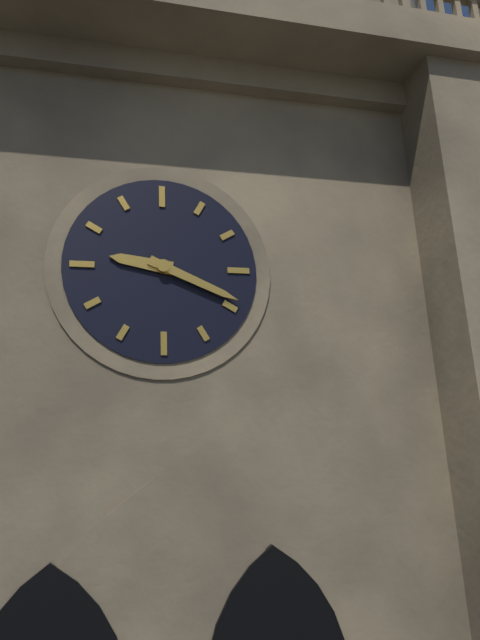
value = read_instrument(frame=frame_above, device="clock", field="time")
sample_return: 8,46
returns 9,19
